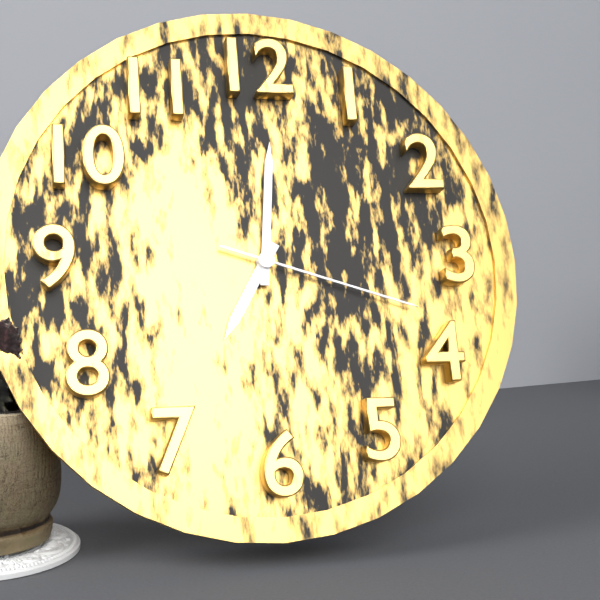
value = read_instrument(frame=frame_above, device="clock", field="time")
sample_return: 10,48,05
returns 7,01,18
